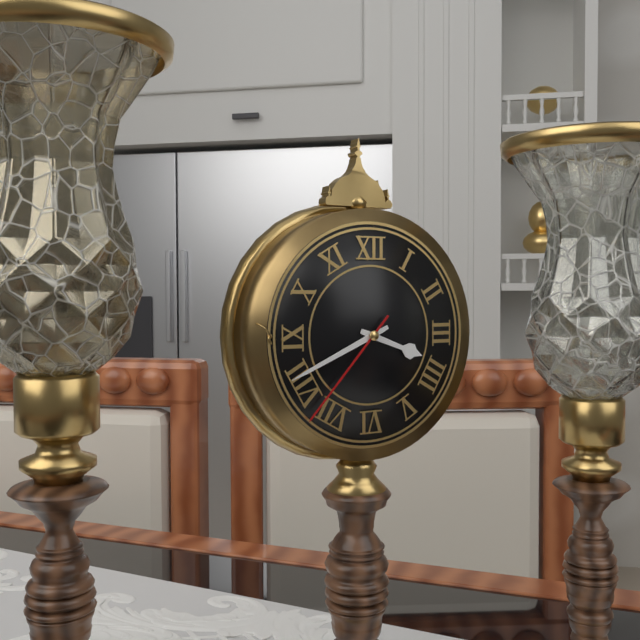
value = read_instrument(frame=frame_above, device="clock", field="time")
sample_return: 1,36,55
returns 3,41,37
